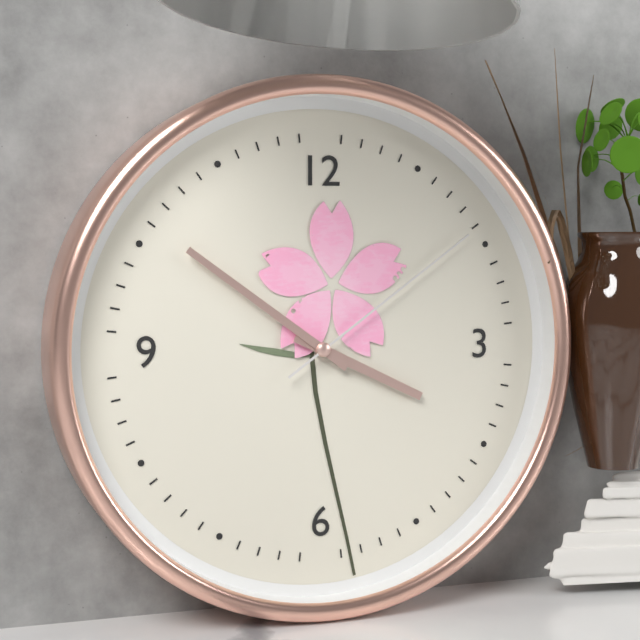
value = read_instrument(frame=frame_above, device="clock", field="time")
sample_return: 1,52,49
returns 3,51,09
